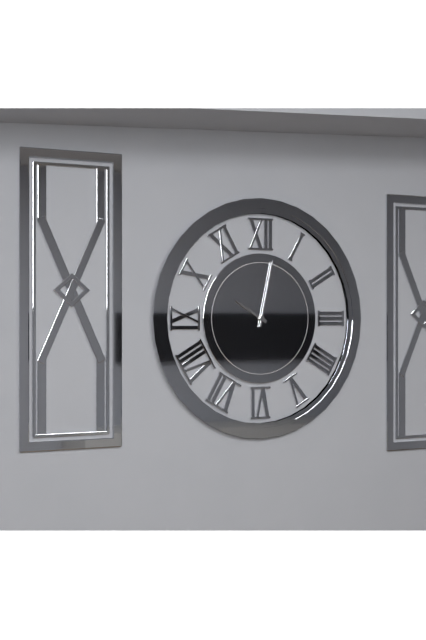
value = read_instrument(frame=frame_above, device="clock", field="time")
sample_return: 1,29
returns 10,02
